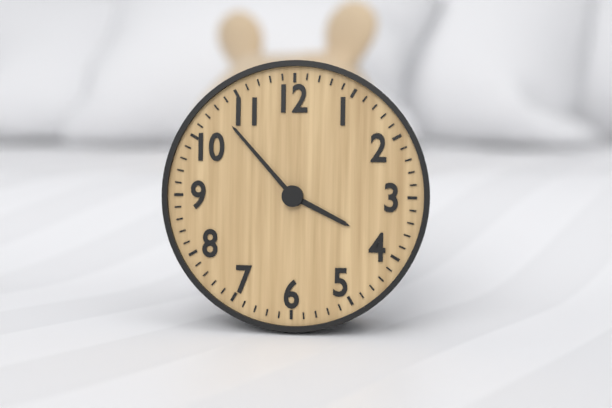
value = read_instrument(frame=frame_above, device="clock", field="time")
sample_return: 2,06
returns 3,53
